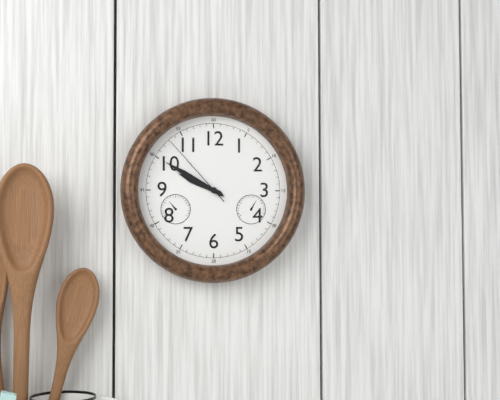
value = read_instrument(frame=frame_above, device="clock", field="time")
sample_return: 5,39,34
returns 9,50,53
